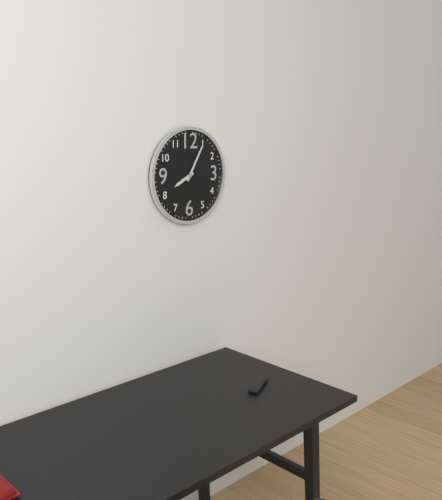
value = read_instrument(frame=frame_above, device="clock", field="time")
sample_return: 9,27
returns 8,05
